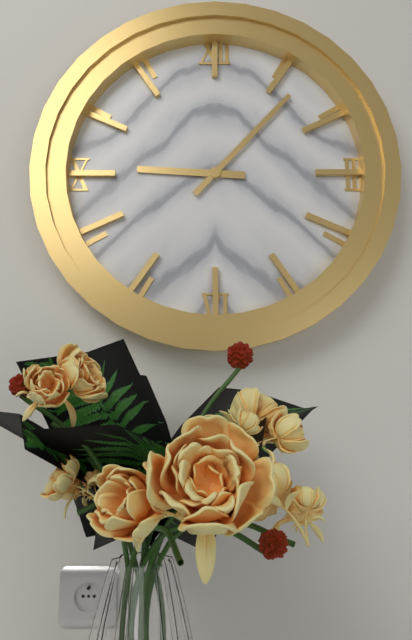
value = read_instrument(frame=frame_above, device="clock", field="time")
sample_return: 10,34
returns 9,07
